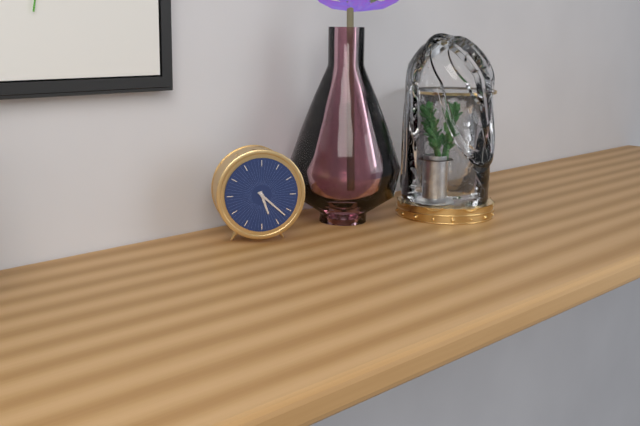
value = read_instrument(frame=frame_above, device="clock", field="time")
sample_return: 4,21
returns 5,22
